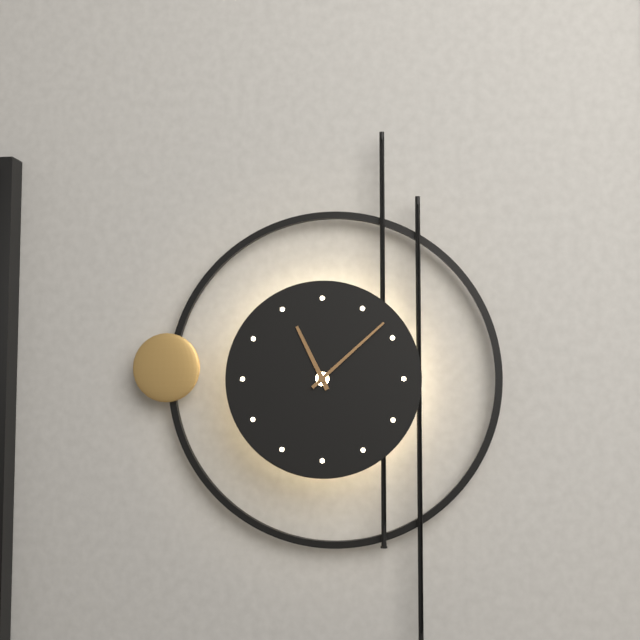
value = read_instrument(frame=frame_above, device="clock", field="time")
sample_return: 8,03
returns 11,08
